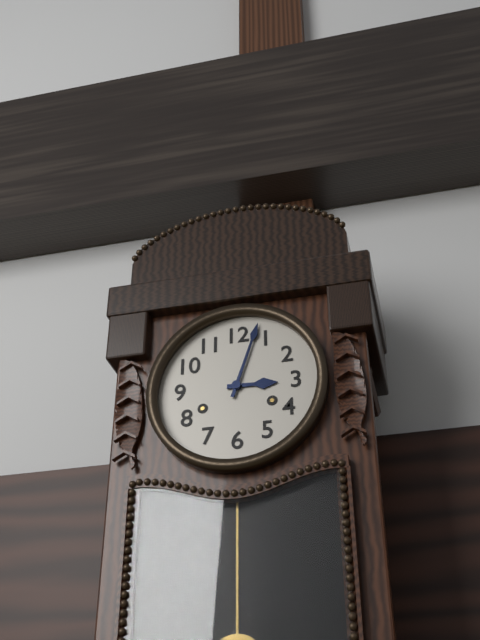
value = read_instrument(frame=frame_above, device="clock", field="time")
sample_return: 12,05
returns 3,03
